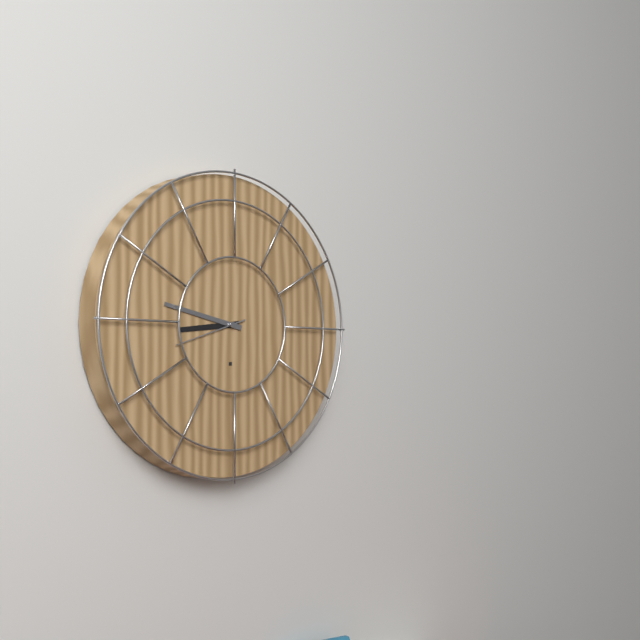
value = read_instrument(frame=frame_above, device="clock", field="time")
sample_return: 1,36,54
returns 8,47,42
